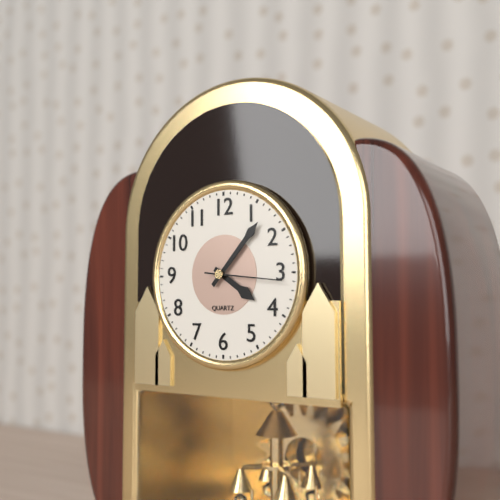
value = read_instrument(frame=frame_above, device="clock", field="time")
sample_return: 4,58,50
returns 4,07,16
